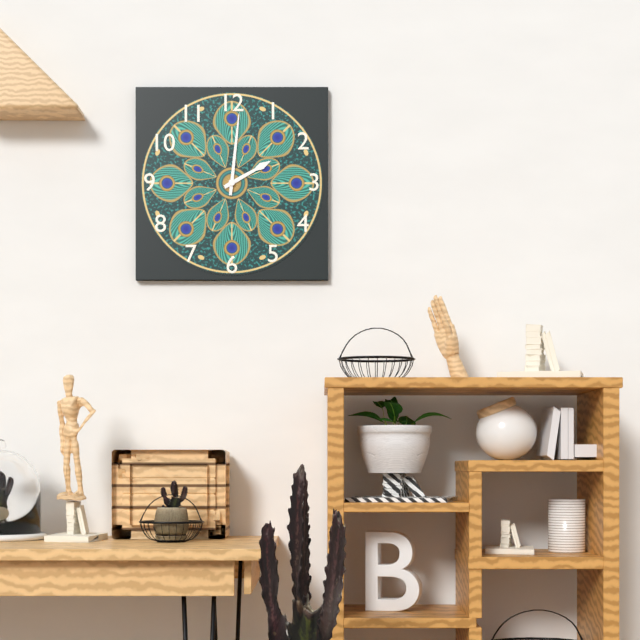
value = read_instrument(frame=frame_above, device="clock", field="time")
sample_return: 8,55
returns 2,01
